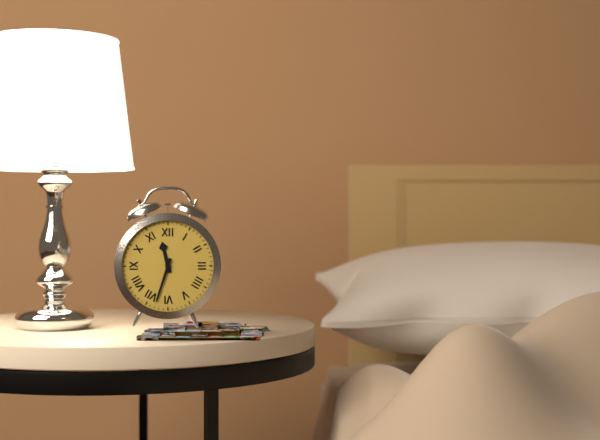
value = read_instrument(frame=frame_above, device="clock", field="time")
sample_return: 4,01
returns 11,33
